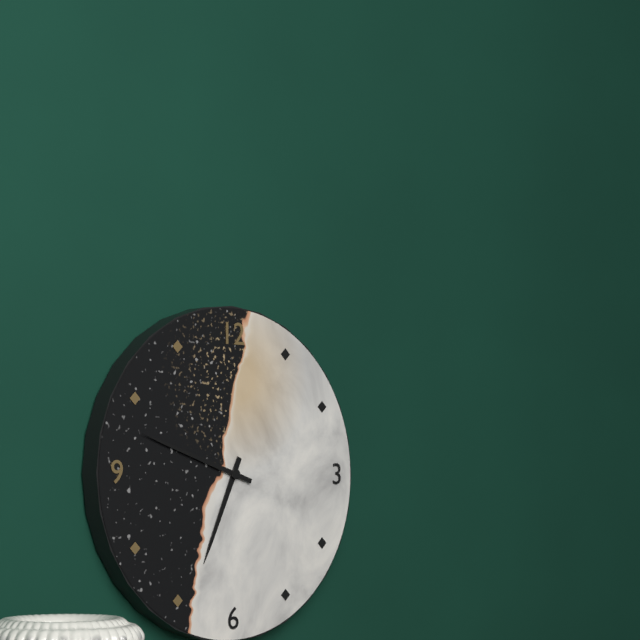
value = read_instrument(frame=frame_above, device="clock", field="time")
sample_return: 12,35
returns 6,48
